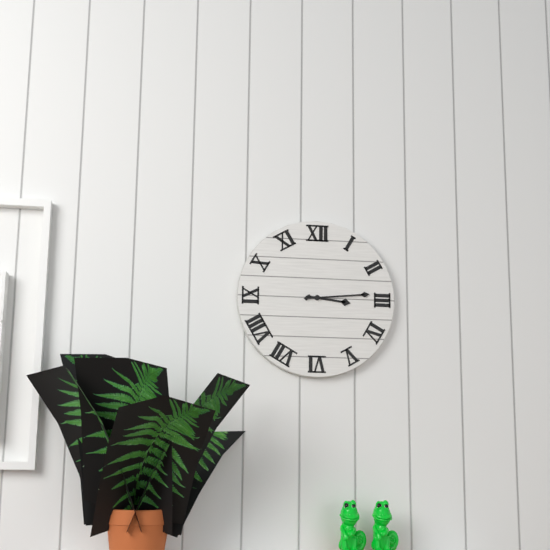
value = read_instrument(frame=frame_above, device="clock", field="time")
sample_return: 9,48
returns 3,14
